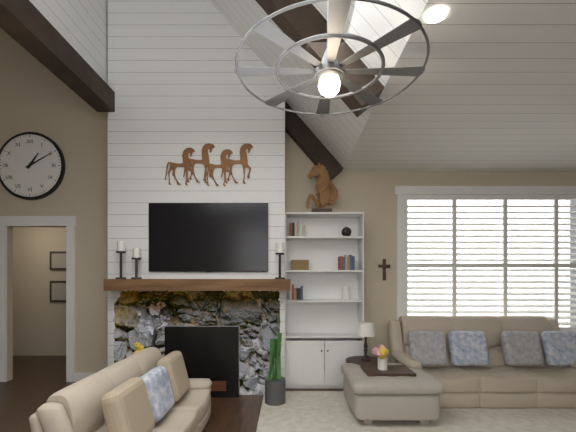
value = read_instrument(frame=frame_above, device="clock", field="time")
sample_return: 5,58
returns 1,10
